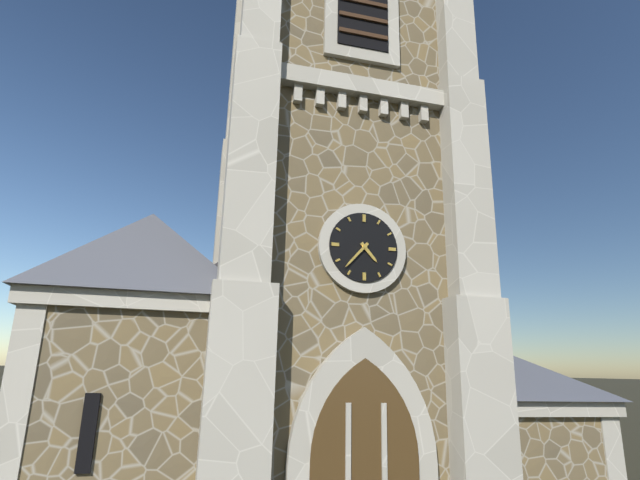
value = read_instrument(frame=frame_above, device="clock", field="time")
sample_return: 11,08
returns 4,37
